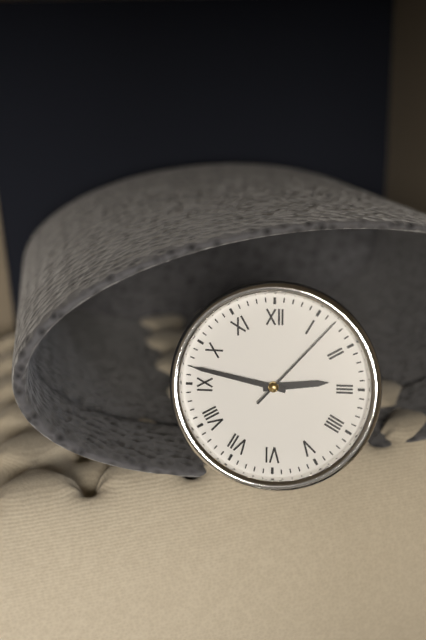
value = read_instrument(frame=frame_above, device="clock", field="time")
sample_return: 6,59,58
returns 2,47,07
